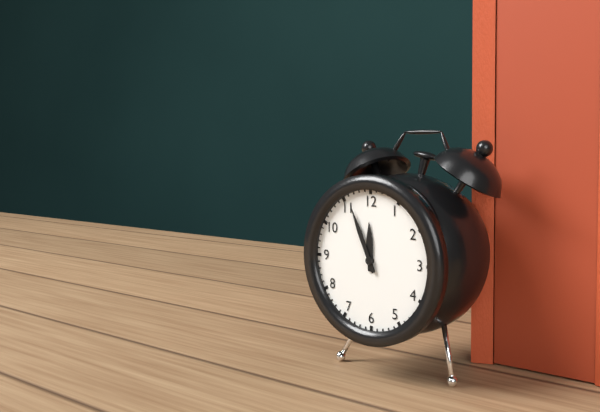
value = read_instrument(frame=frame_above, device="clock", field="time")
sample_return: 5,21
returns 11,56
